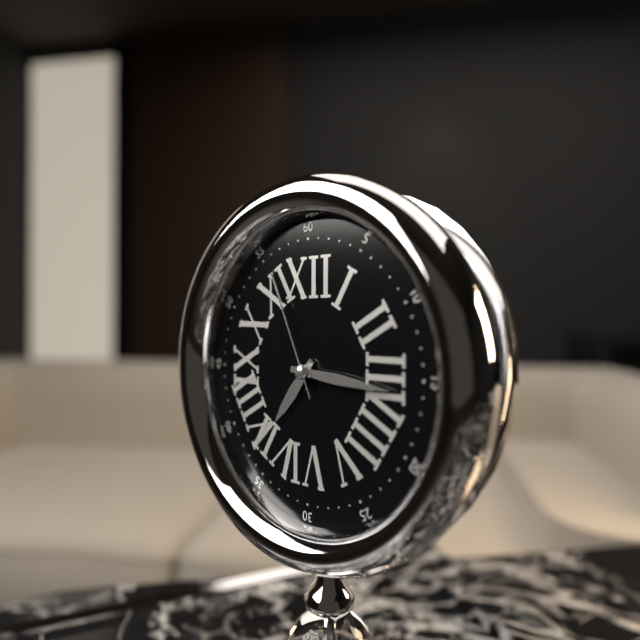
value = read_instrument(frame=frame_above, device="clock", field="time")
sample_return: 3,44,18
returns 7,16,56
